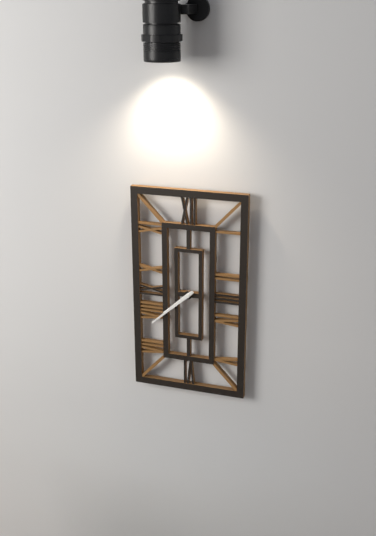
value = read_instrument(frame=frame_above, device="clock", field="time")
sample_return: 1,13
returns 7,38
